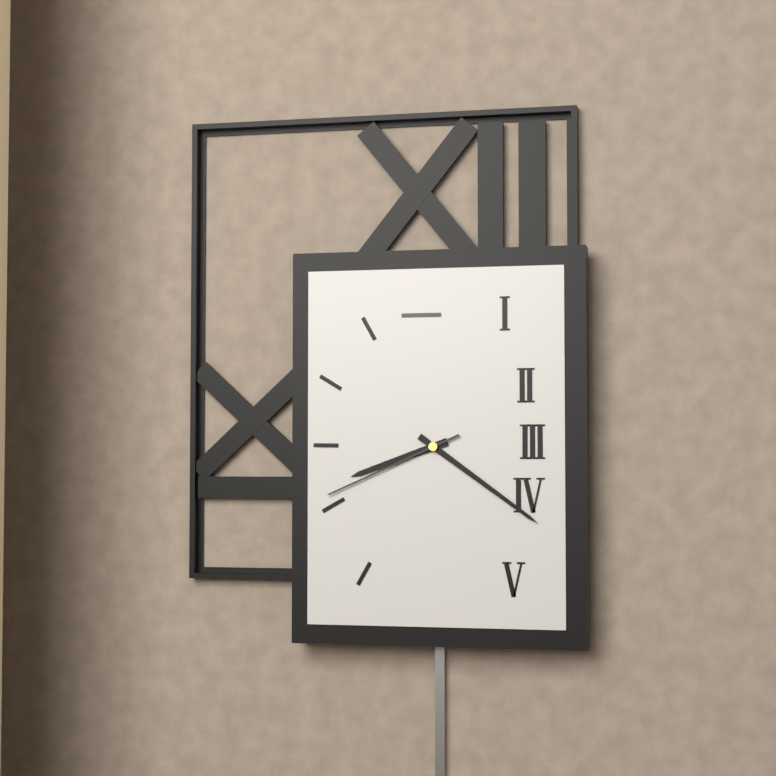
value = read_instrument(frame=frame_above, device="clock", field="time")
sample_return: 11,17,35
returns 8,21,41
